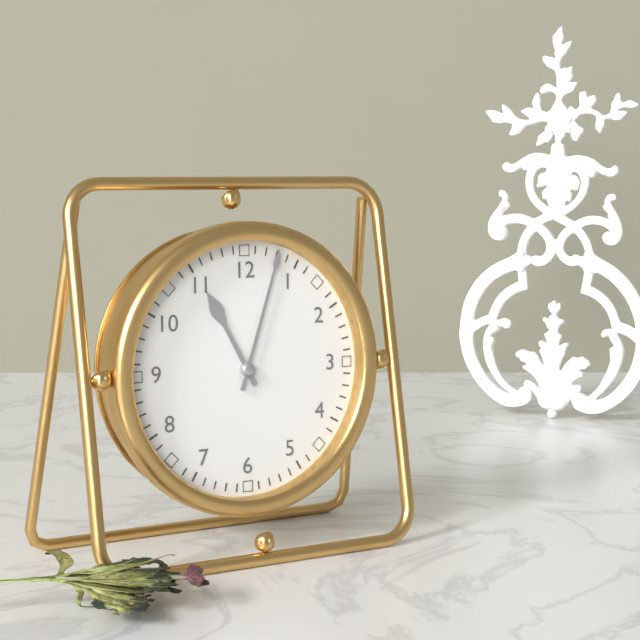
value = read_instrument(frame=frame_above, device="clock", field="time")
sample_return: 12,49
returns 11,03
